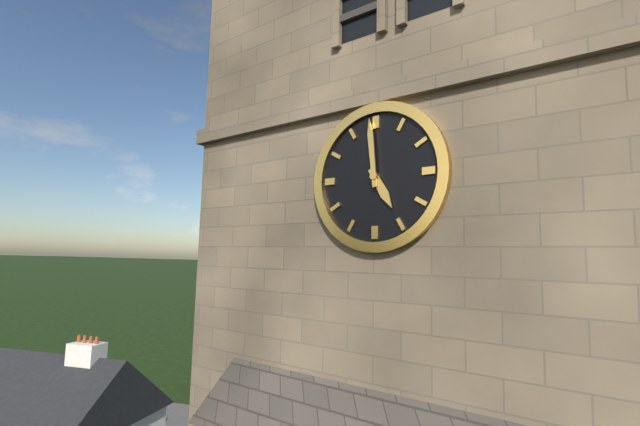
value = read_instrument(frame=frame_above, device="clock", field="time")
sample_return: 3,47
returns 4,59
